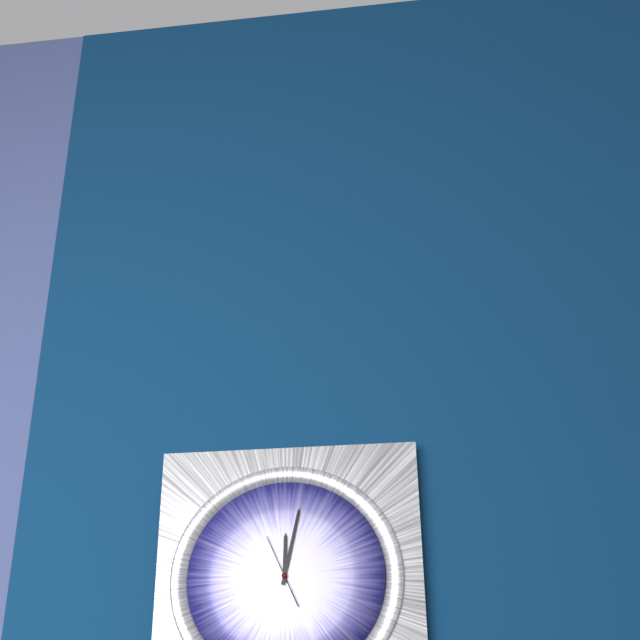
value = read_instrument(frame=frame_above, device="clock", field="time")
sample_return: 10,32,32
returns 12,02,56
